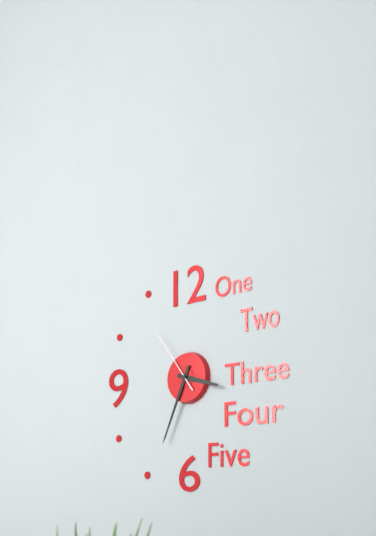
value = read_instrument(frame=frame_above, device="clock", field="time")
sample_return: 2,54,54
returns 3,34,54
